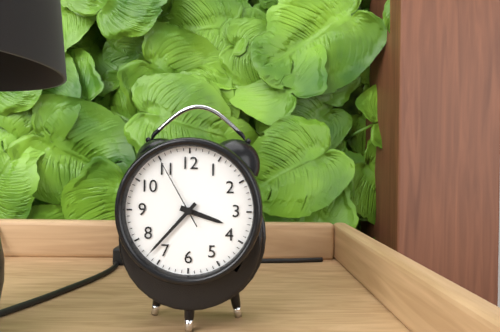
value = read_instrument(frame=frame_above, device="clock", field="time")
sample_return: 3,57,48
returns 3,37,55
